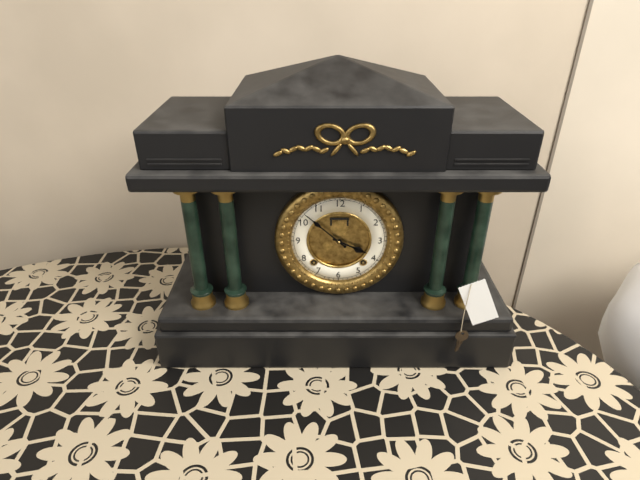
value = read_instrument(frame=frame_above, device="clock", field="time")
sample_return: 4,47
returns 3,52
